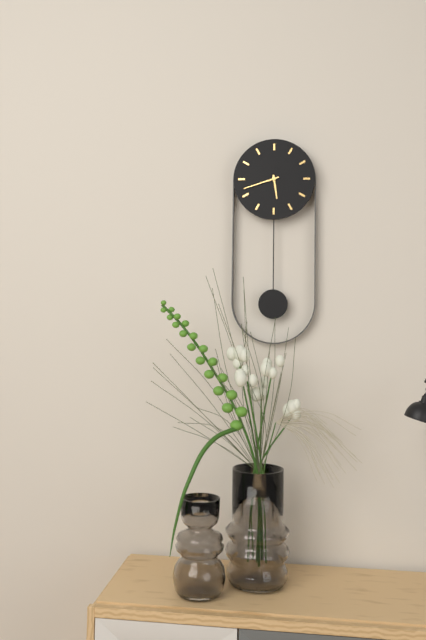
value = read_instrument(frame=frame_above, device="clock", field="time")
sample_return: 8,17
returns 5,42
